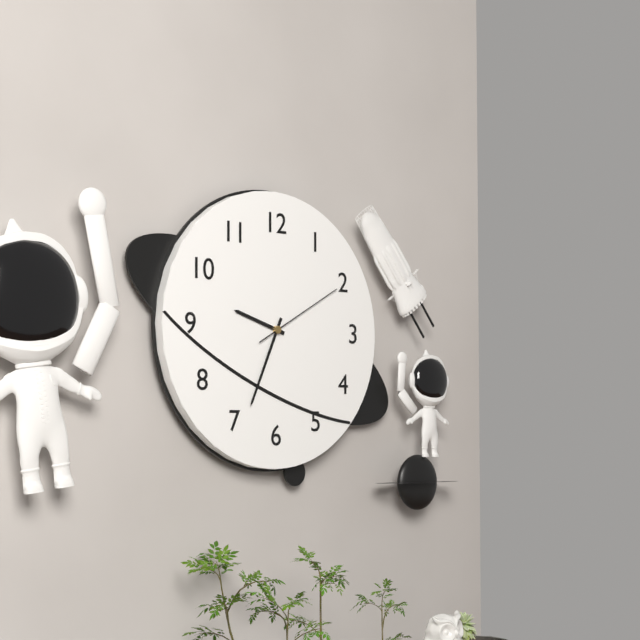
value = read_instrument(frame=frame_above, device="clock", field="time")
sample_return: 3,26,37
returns 9,34,10
